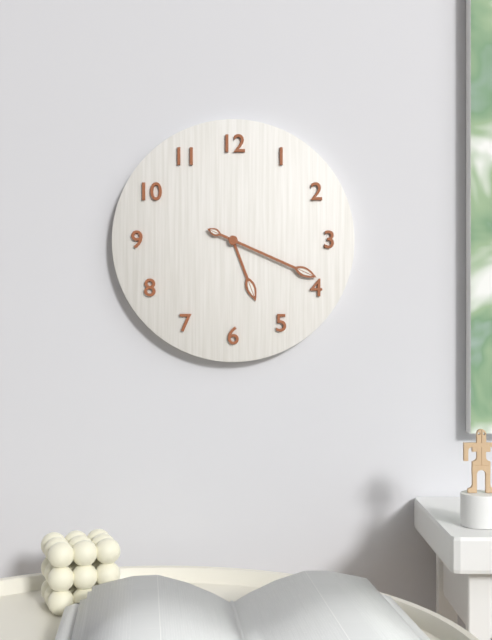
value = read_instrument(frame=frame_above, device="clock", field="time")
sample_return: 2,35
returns 5,19
